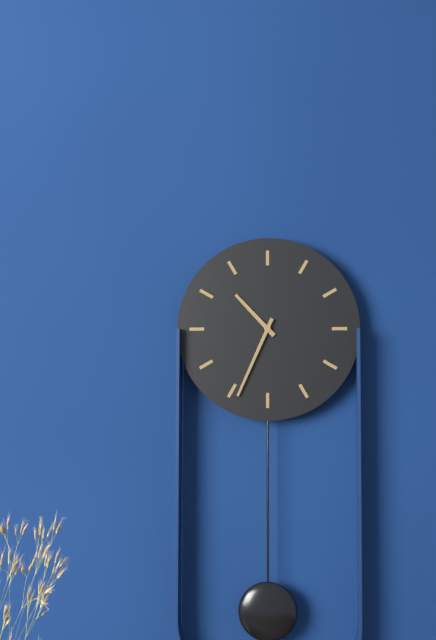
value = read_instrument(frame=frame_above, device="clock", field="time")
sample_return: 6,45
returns 10,34
